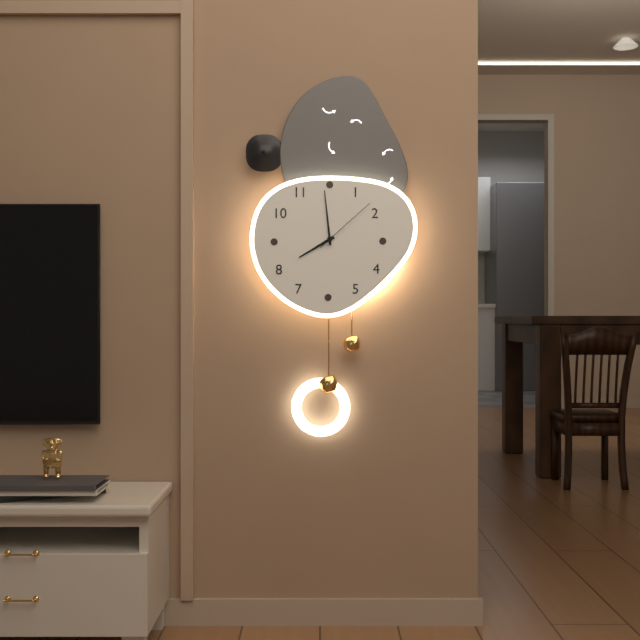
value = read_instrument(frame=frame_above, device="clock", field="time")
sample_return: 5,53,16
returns 7,59,08
